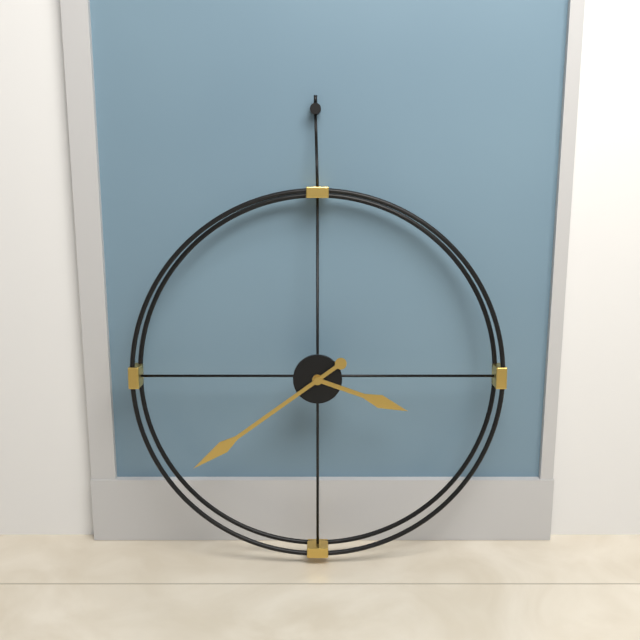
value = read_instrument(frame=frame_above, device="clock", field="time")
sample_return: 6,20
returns 3,39
